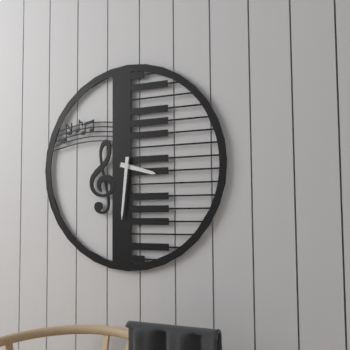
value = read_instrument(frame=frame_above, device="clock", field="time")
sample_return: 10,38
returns 3,31
